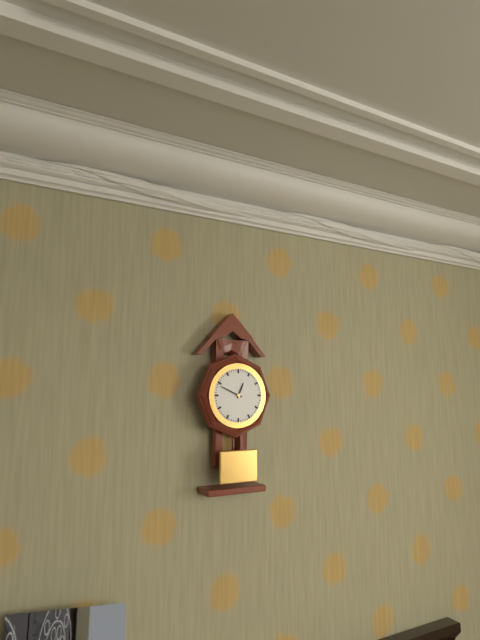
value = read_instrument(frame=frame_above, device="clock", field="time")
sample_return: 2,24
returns 12,49
